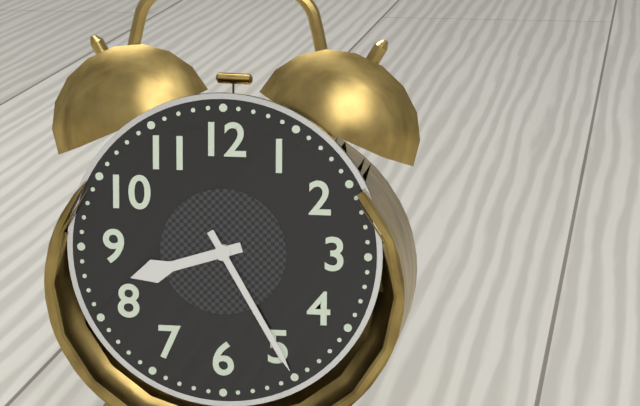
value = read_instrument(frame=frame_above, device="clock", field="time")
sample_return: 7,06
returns 8,25
